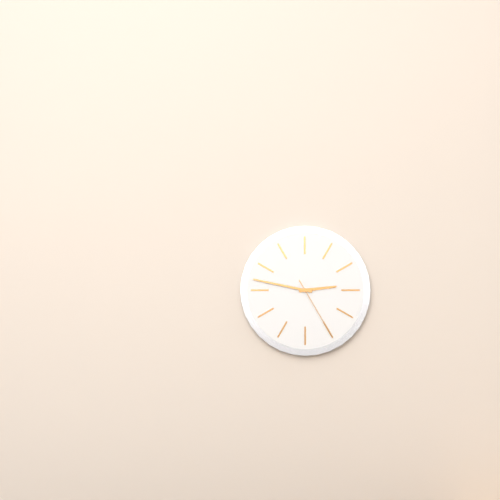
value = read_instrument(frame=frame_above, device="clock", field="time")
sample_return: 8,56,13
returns 2,47,25
